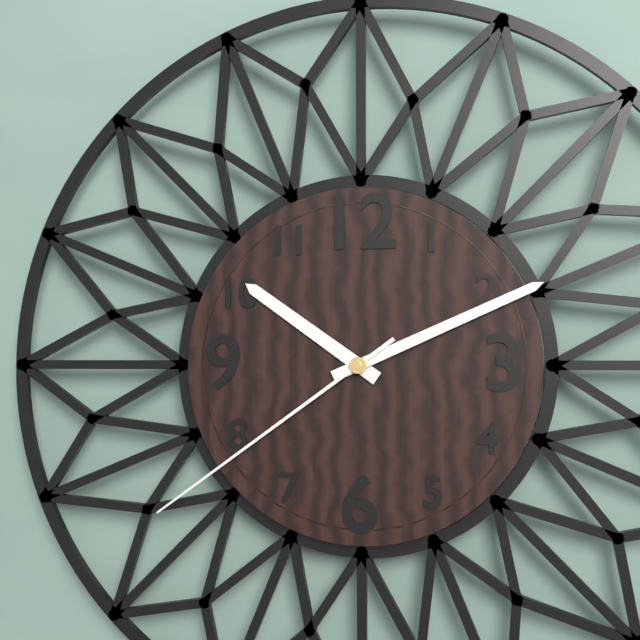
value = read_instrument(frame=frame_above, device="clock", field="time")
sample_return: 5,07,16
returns 10,11,39
